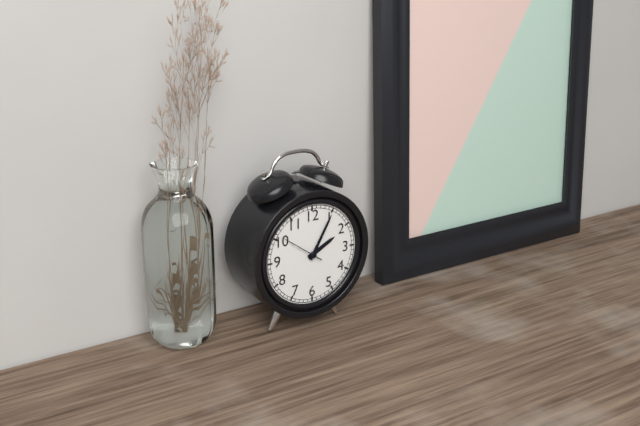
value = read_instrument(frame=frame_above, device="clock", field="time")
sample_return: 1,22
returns 2,05
